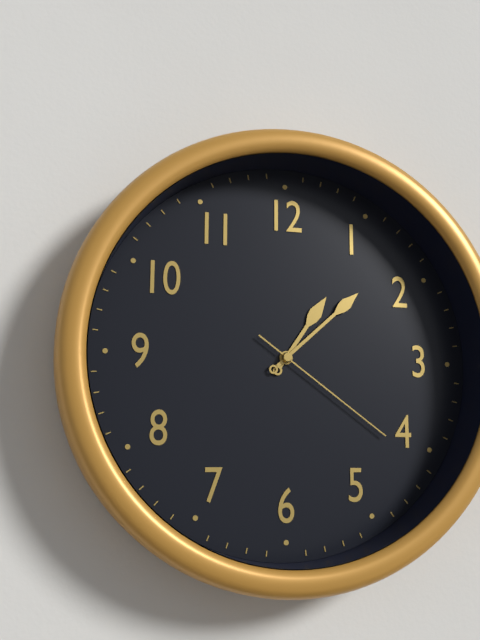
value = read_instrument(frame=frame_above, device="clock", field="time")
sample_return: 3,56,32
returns 1,08,21
